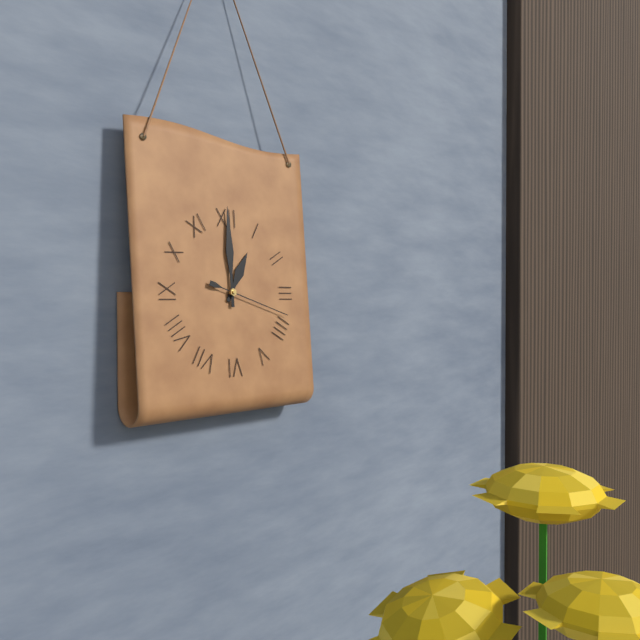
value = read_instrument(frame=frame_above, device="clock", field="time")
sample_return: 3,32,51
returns 1,00,18
